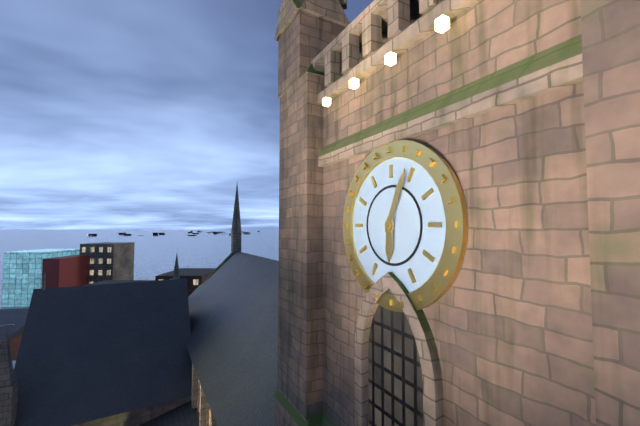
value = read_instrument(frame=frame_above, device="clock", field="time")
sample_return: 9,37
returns 6,04
